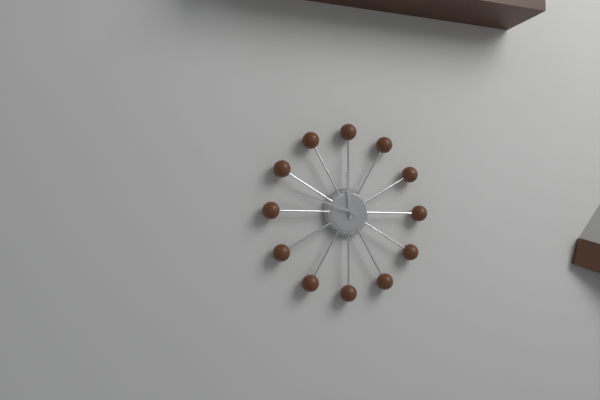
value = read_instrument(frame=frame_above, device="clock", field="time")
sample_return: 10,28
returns 11,48
